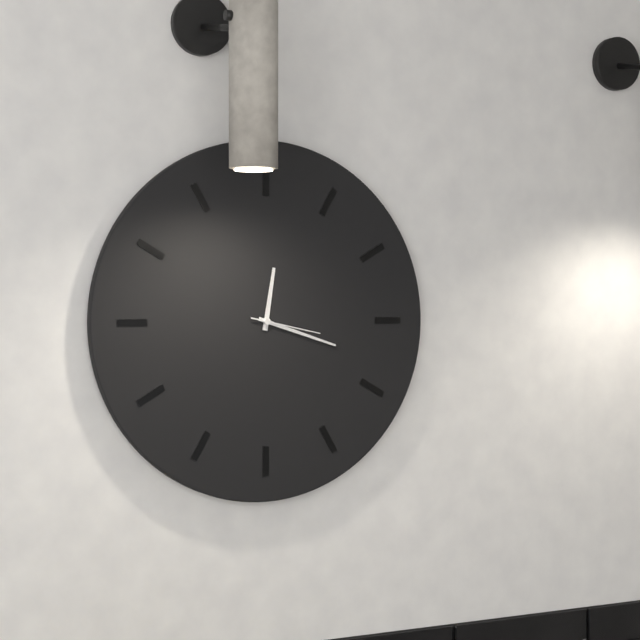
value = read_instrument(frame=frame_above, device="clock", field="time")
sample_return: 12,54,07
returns 12,18,17
